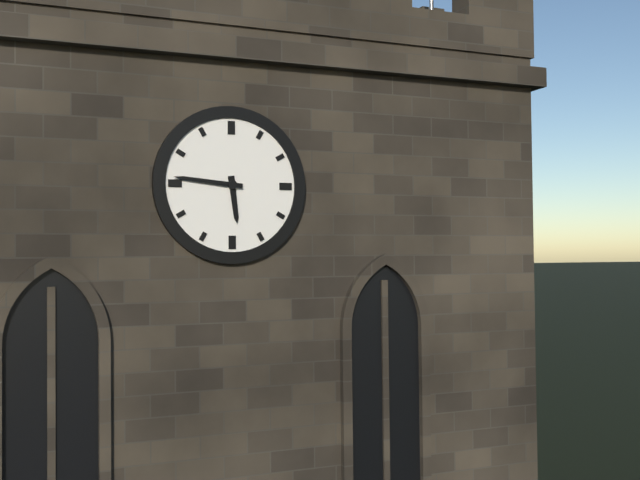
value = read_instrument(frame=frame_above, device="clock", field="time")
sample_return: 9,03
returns 5,46
